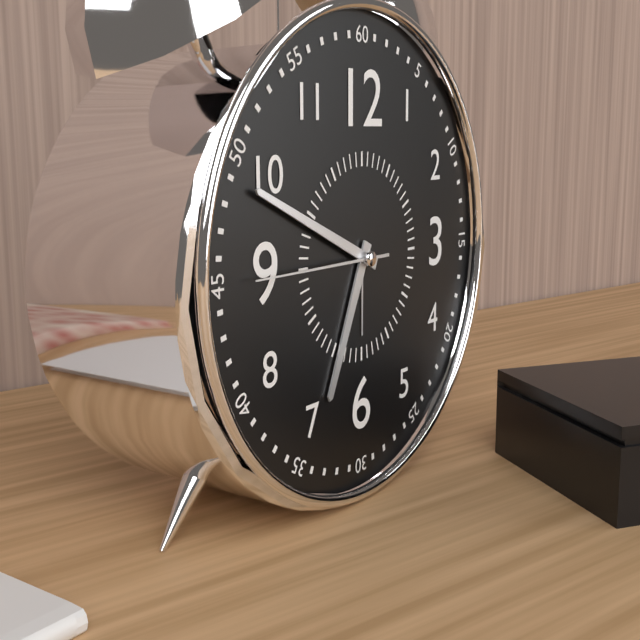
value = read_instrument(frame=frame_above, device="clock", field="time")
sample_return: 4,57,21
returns 6,49,45
